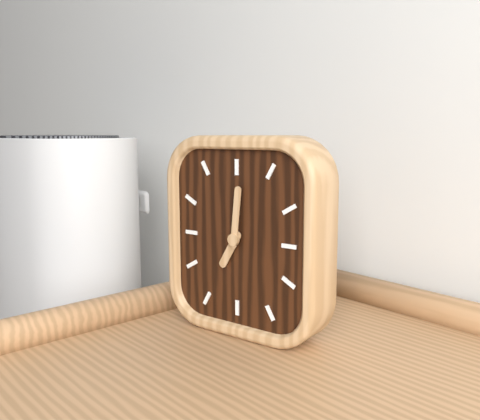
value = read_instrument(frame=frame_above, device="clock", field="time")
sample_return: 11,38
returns 7,01
